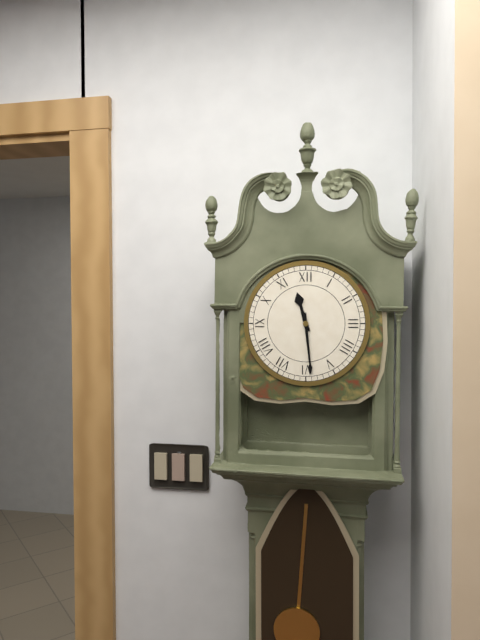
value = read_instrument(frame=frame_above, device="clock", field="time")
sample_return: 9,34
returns 11,29
